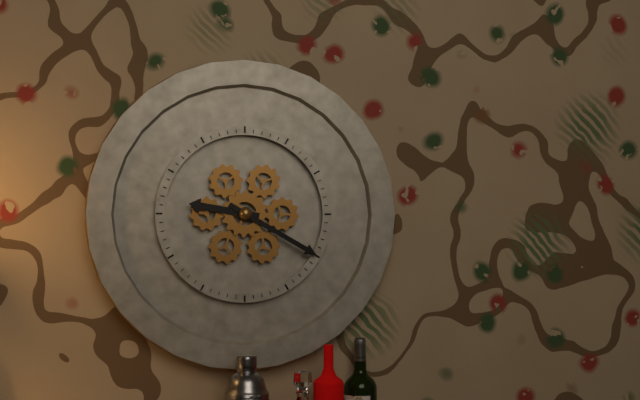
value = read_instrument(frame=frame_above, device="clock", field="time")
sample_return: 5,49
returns 9,20
